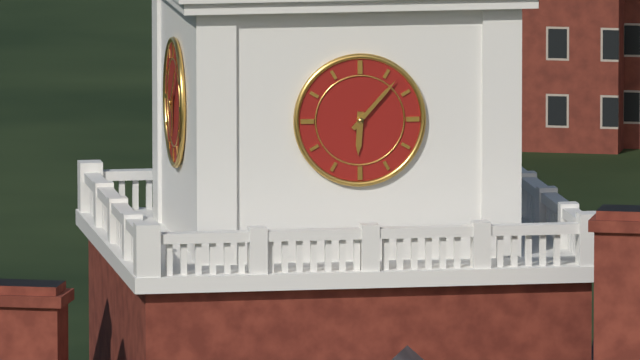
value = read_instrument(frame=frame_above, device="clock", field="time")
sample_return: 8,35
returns 6,07
